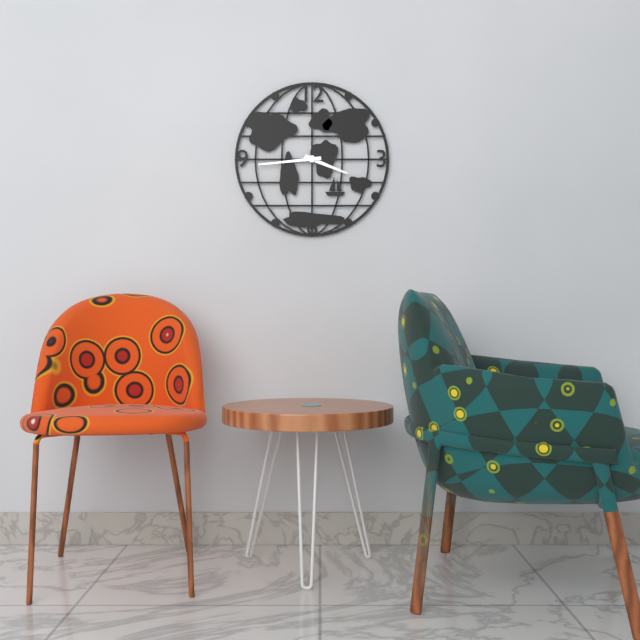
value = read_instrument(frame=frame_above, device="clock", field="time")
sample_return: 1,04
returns 3,44
